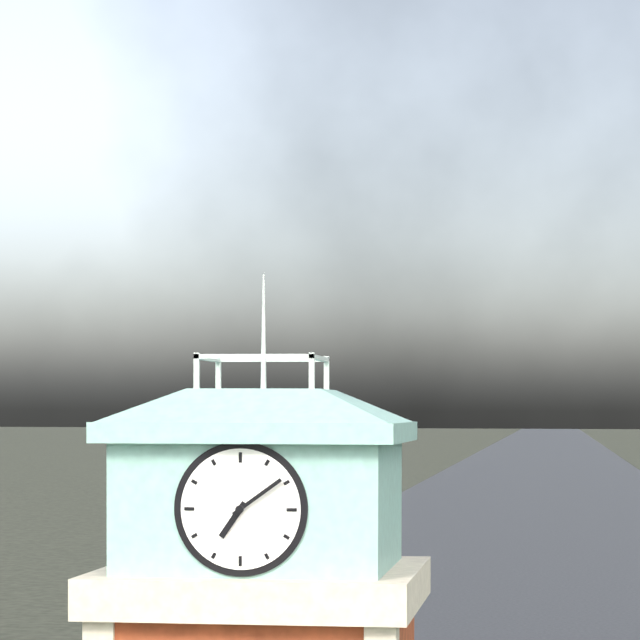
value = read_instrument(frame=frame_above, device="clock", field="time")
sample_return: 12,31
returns 7,09
